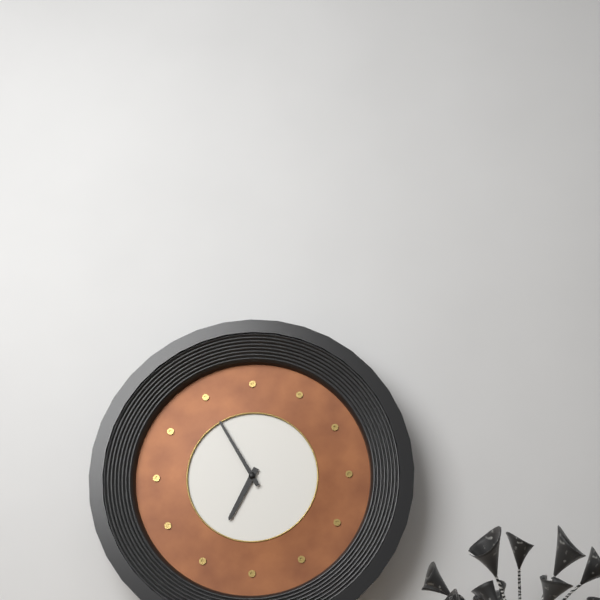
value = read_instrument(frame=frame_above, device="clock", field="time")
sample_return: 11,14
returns 6,55
